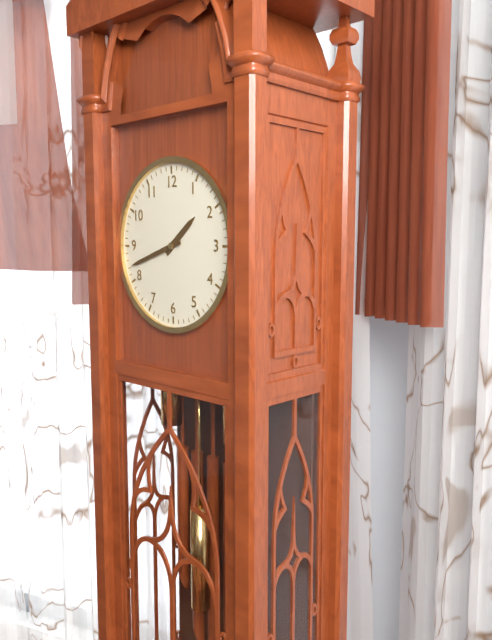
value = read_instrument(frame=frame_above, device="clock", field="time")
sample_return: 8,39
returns 1,42
